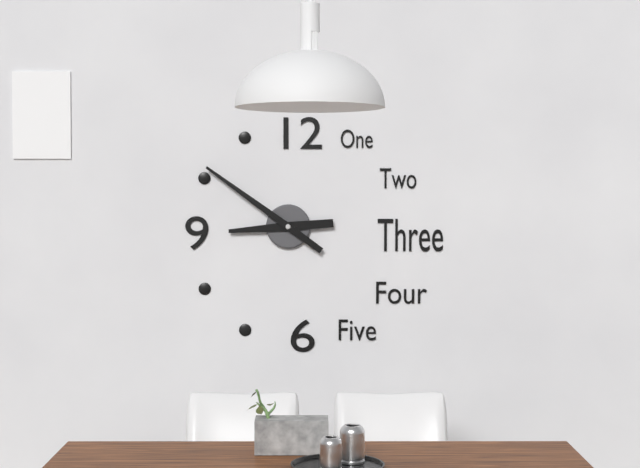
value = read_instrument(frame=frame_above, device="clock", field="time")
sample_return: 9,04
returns 8,51
